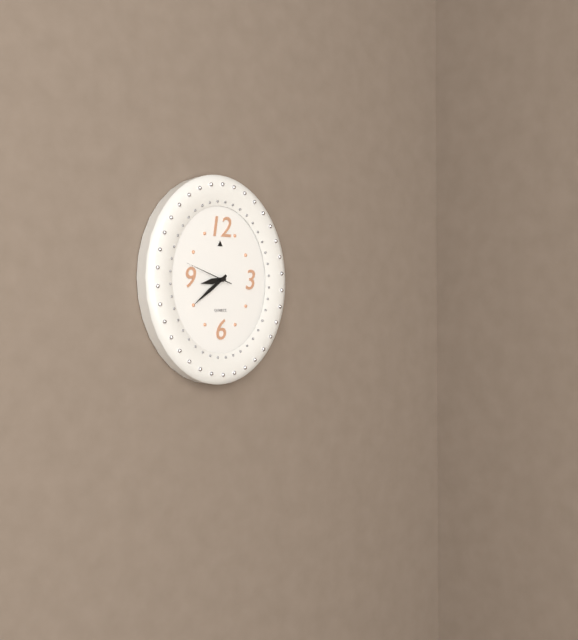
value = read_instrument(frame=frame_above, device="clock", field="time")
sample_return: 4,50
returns 8,39
